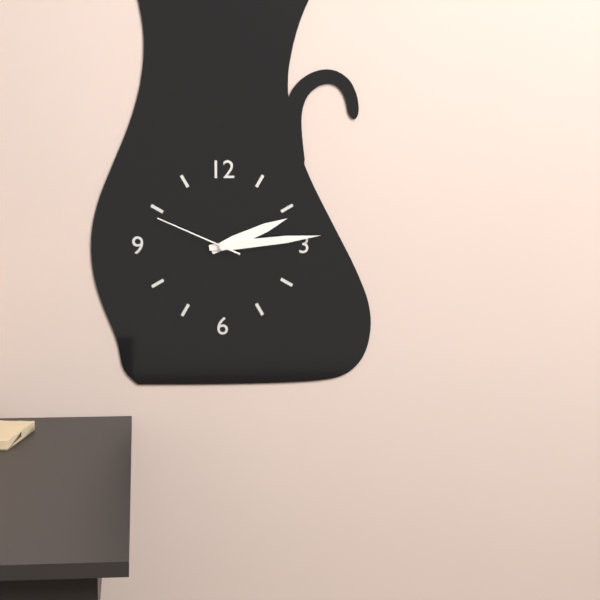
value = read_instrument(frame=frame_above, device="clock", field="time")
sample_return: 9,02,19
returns 2,14,49
